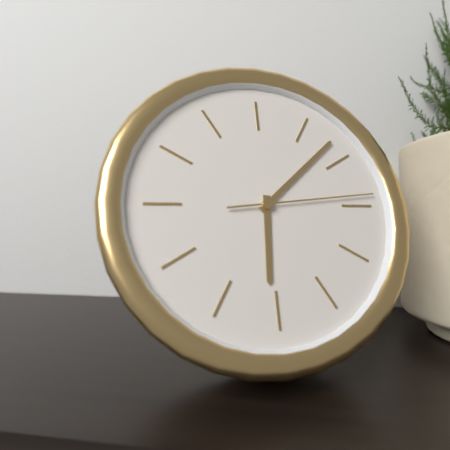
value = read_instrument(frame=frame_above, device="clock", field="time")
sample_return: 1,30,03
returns 6,08,14
